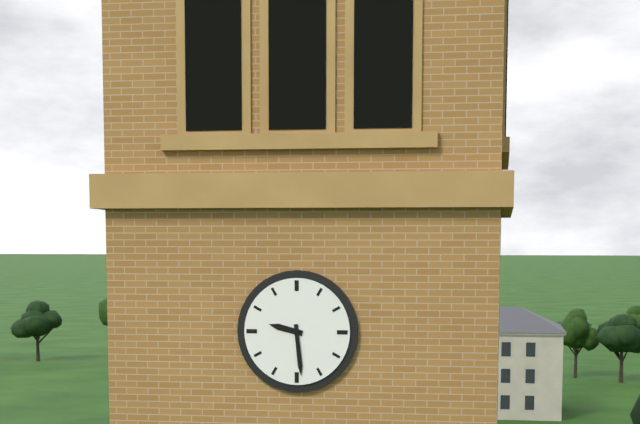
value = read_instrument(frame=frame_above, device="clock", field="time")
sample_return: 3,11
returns 9,29
